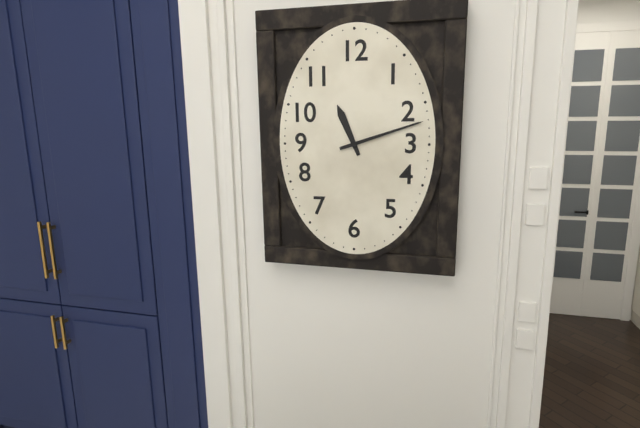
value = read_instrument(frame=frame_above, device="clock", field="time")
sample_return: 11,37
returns 11,12
